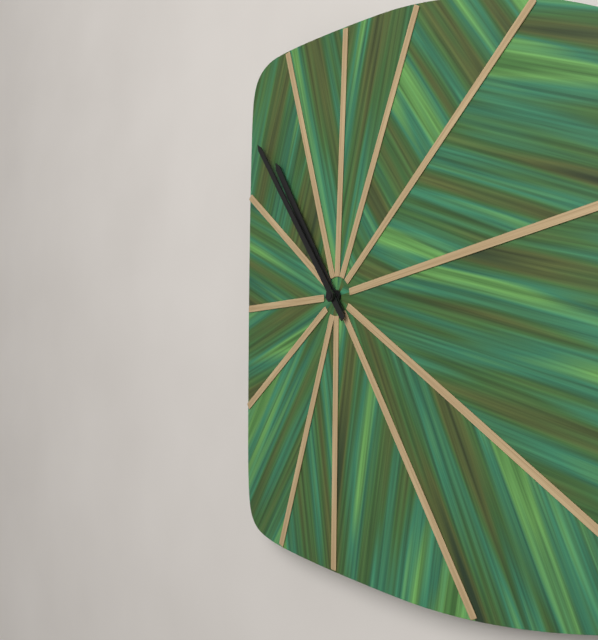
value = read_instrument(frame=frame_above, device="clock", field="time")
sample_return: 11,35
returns 10,54
